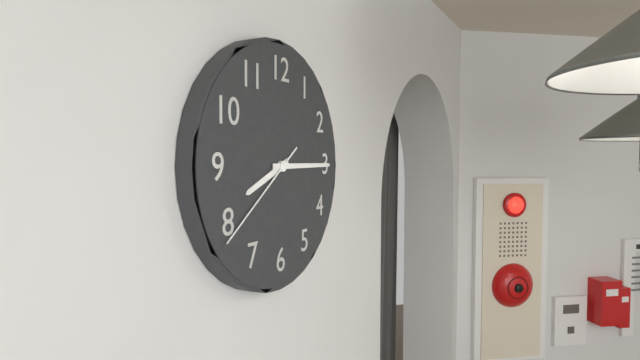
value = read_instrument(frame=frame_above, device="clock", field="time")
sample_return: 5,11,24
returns 8,15,39
